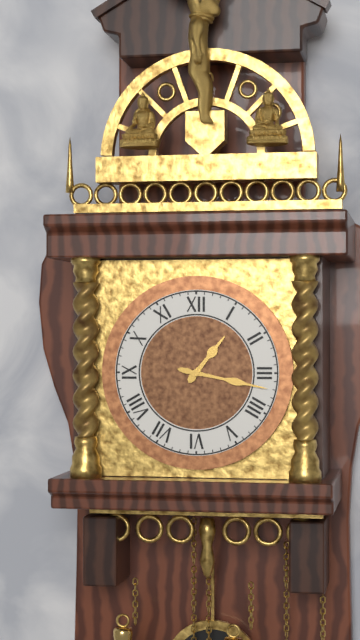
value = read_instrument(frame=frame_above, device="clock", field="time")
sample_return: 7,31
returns 1,17
